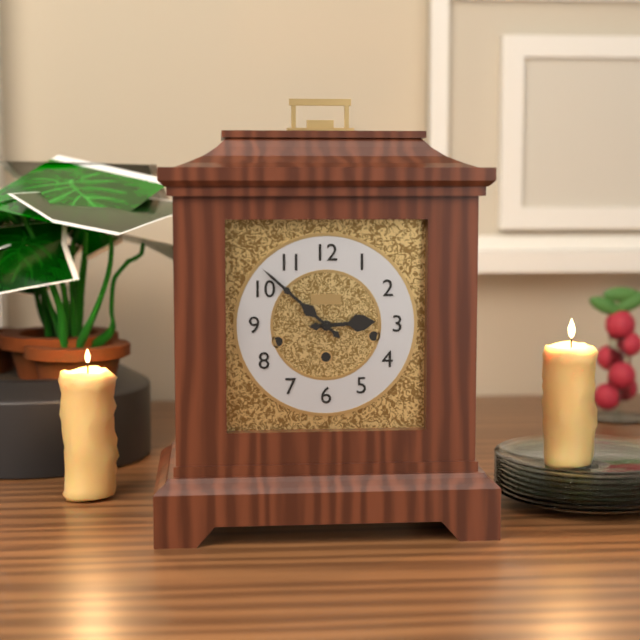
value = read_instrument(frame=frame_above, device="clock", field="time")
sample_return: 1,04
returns 2,52
